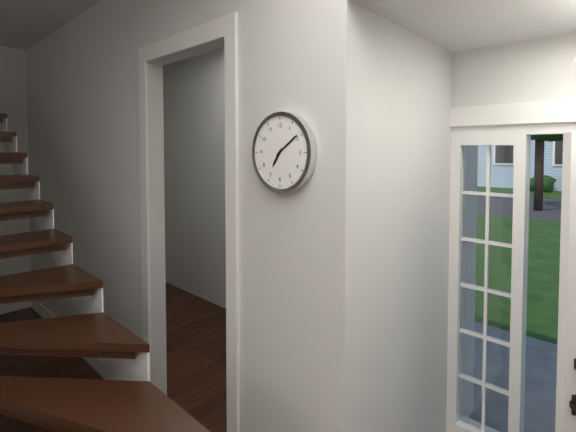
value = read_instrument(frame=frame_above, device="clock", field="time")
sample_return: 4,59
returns 7,09
